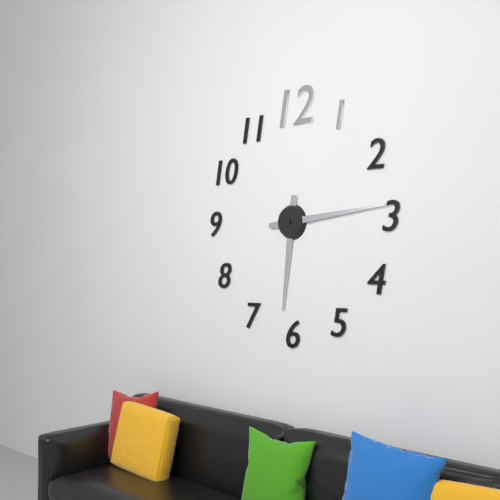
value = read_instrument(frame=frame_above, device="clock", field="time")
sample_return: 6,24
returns 6,14
